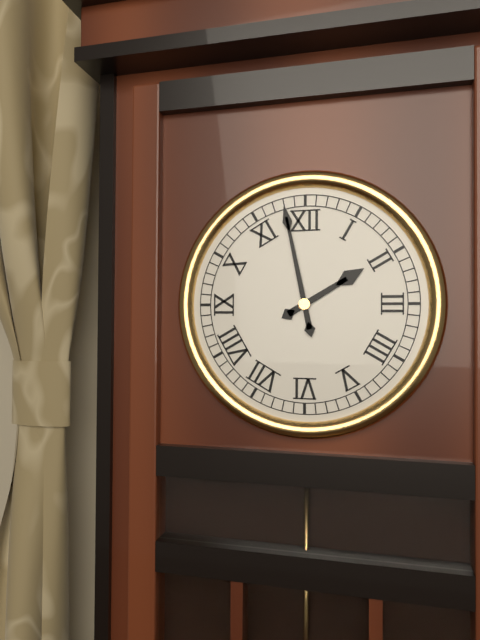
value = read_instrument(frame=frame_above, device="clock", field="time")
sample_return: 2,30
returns 1,58
